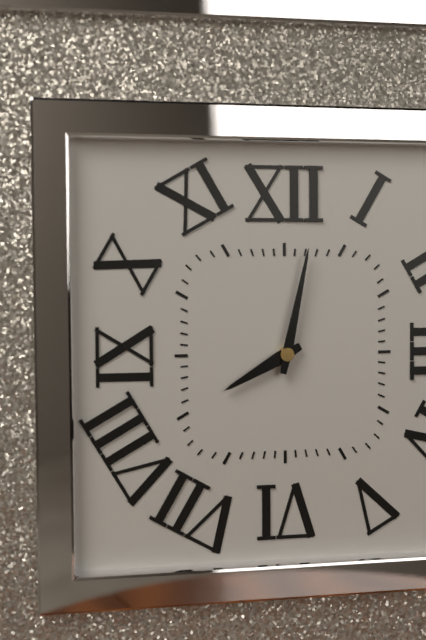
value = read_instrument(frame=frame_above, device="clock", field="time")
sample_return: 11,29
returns 8,02
